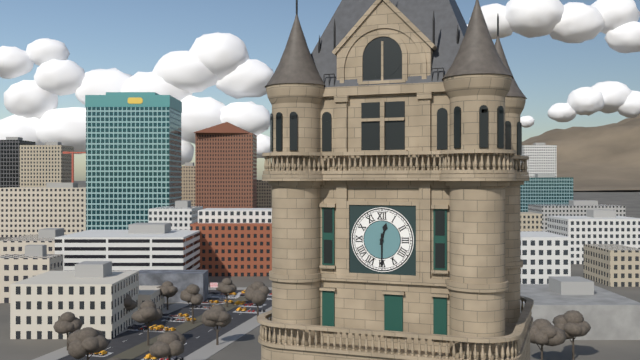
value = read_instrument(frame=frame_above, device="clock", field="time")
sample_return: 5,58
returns 12,30
